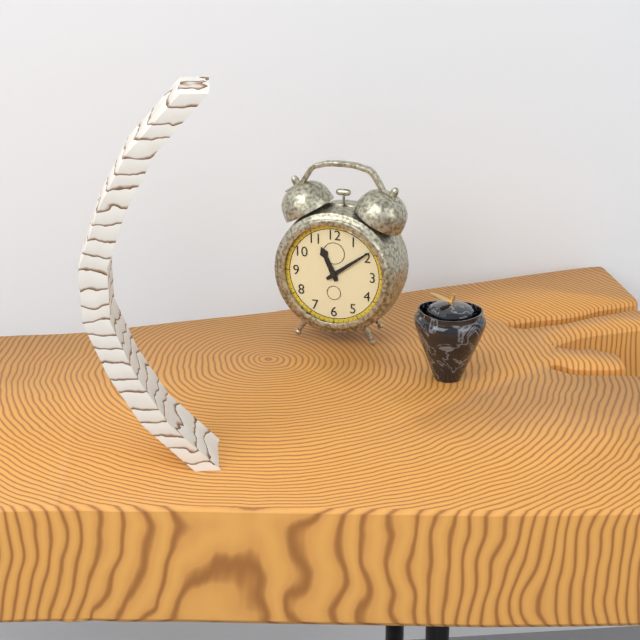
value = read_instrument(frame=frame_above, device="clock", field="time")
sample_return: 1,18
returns 11,09
